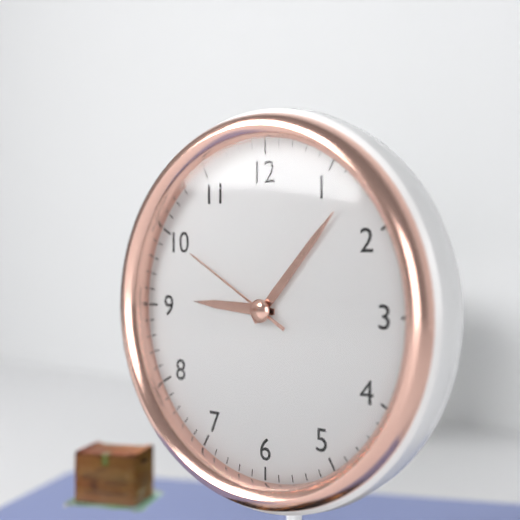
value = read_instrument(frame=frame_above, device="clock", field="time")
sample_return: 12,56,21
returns 9,07,50
